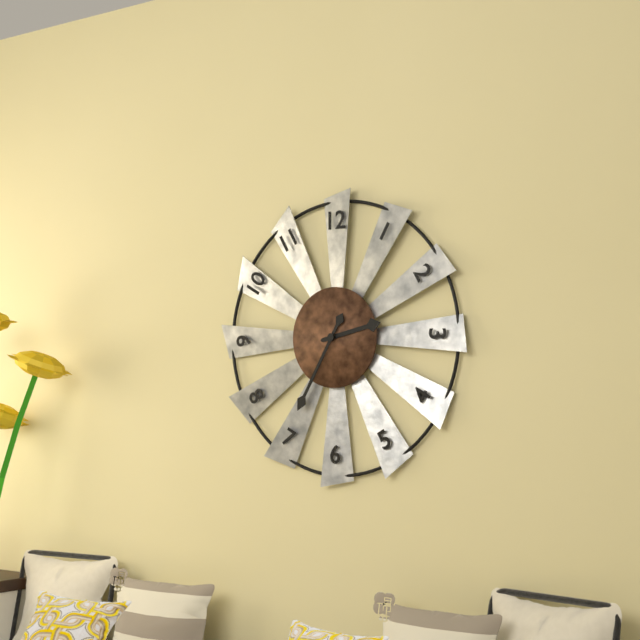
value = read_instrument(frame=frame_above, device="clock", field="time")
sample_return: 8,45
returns 2,35
